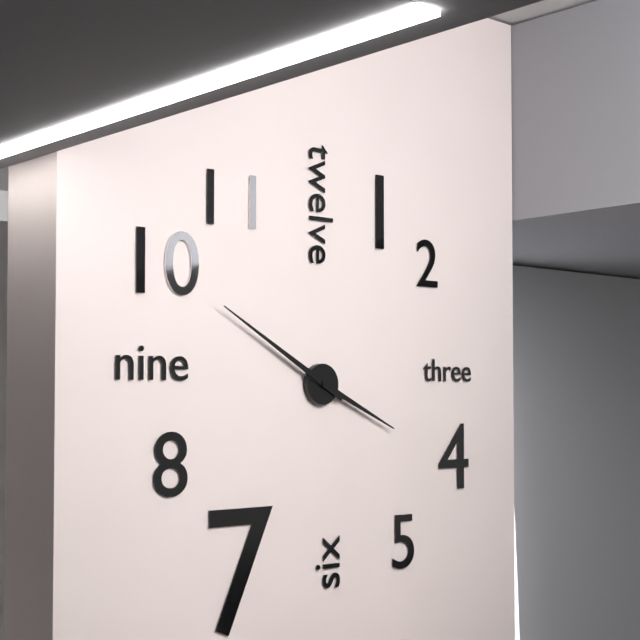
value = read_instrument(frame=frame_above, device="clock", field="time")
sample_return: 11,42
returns 3,50
